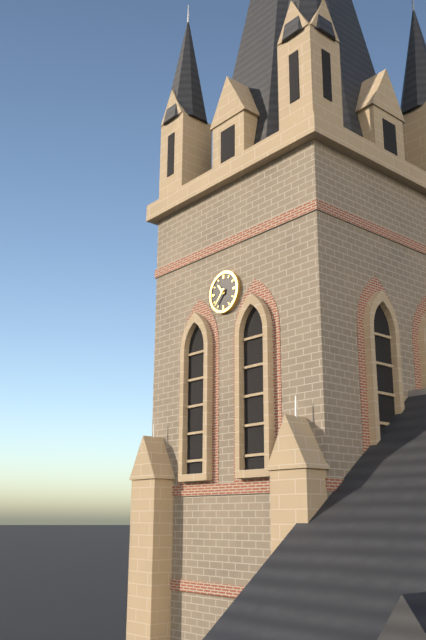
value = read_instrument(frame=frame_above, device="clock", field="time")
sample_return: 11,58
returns 10,37
